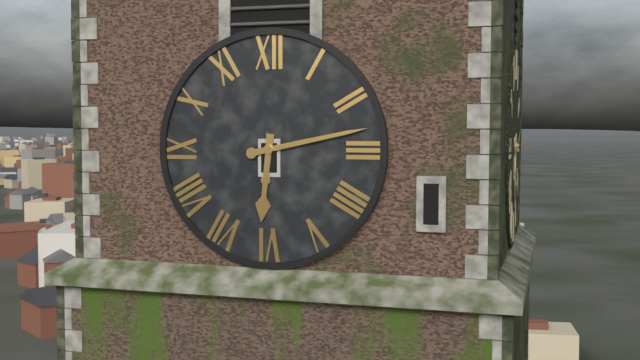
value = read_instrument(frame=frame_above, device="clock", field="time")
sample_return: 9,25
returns 6,13
